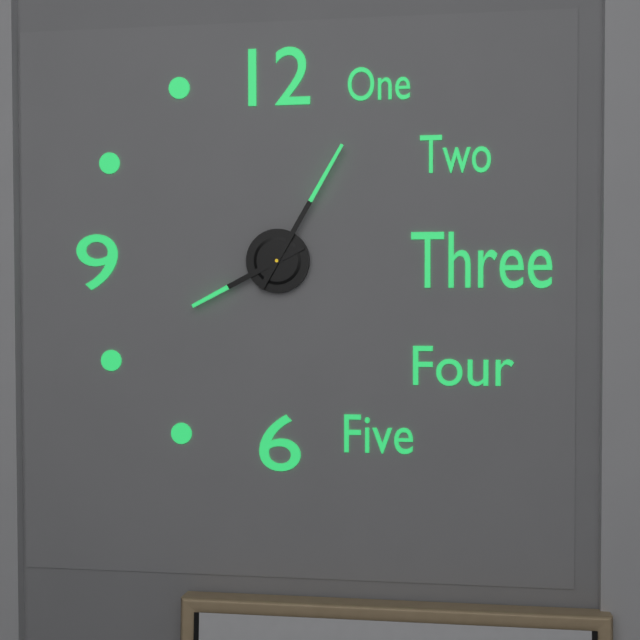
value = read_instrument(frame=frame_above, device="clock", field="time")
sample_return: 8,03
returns 8,05
